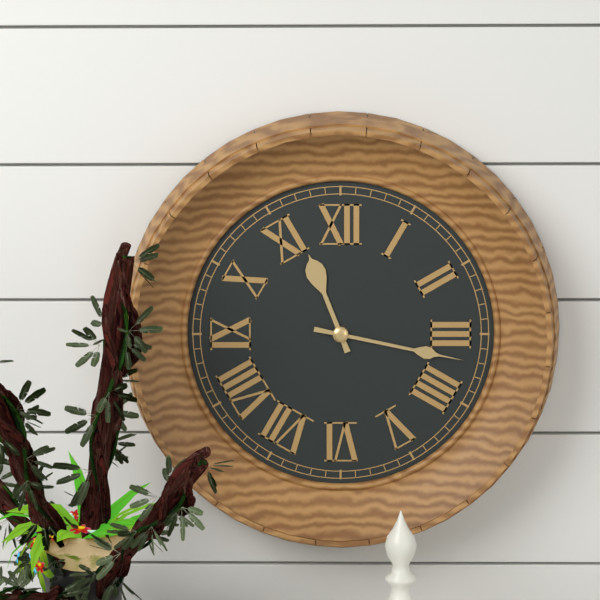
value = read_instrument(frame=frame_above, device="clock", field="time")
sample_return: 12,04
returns 11,17
